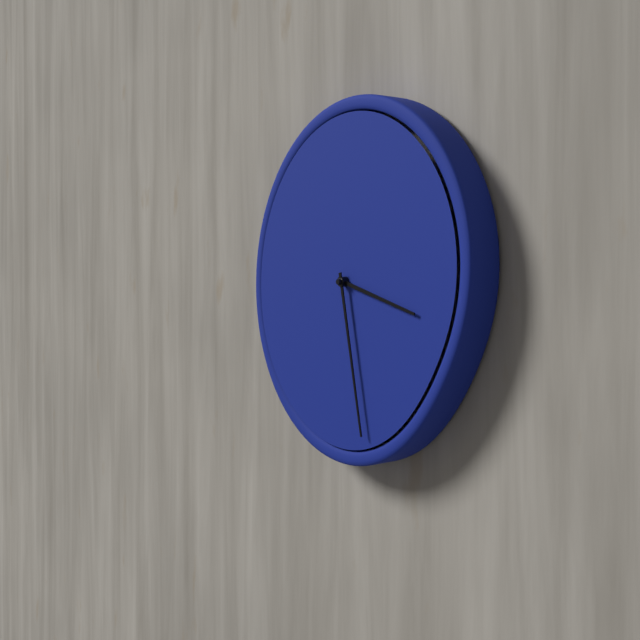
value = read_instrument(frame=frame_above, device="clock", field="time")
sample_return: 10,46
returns 3,28
